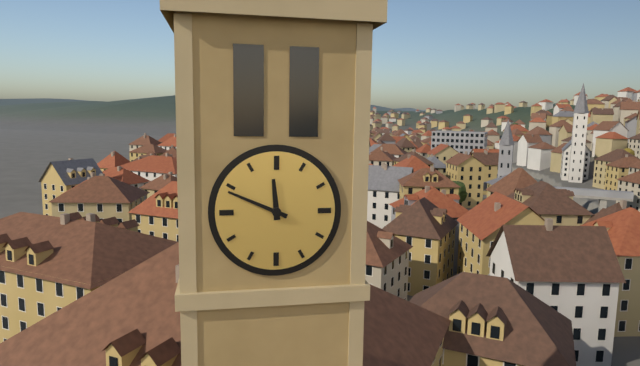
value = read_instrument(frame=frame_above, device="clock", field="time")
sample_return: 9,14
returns 11,49
